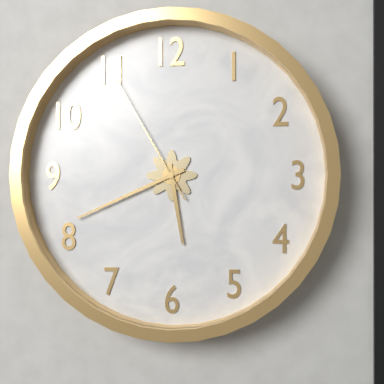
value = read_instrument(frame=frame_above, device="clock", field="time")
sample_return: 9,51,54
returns 5,41,55
